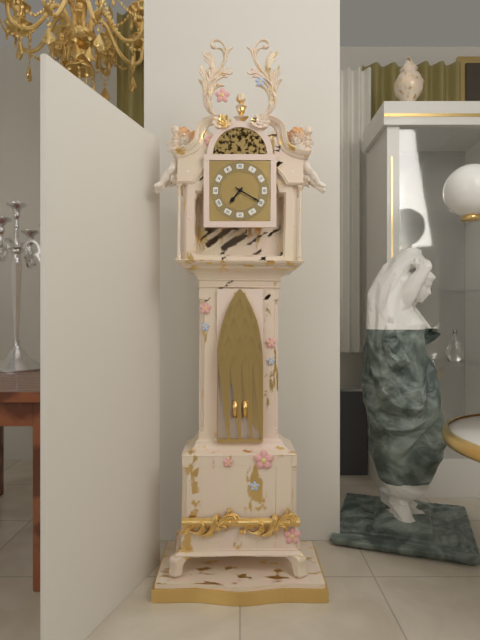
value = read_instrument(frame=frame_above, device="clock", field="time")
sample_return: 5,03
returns 7,20
